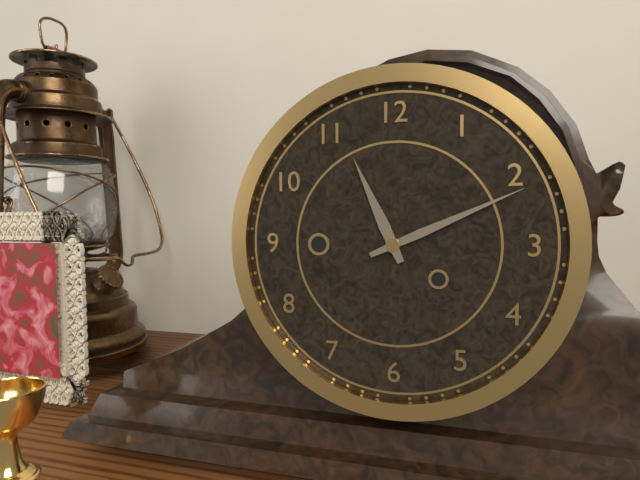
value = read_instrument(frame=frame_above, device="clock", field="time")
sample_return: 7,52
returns 11,11
